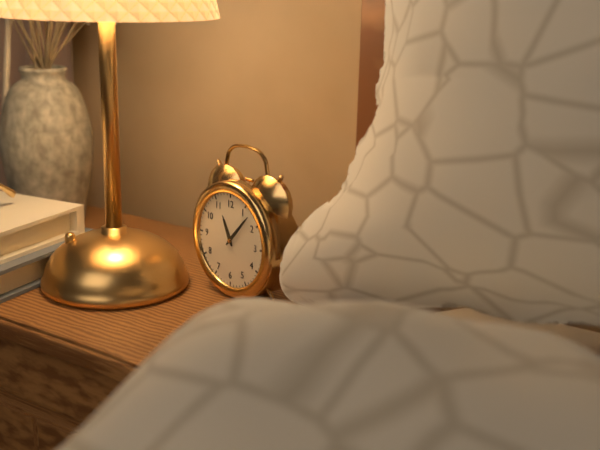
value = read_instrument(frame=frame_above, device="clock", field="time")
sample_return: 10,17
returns 11,07
